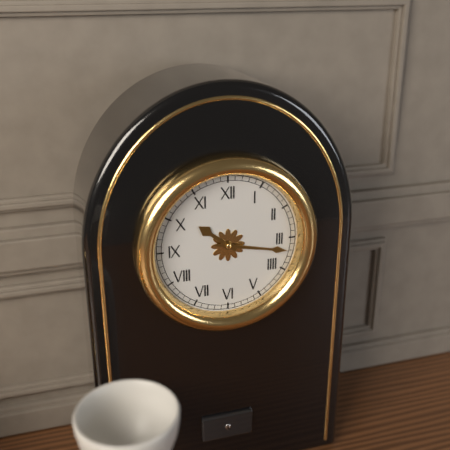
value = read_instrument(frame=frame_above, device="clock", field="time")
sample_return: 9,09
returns 10,17
